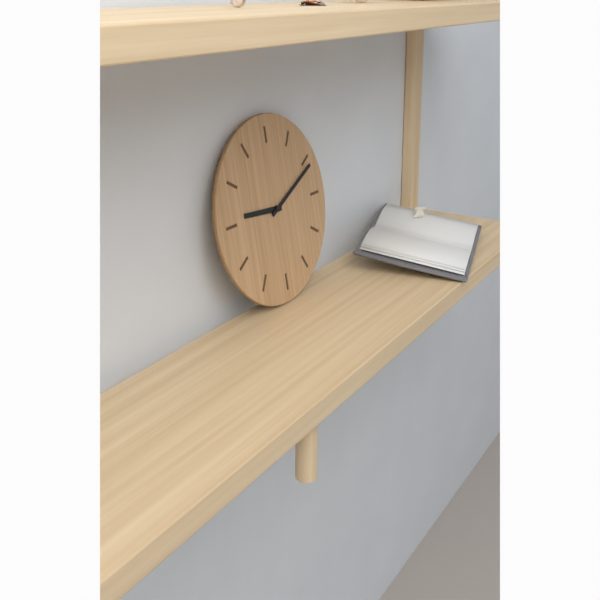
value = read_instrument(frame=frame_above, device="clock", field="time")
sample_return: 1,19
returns 9,11
